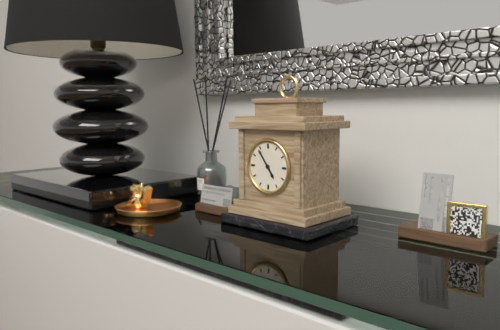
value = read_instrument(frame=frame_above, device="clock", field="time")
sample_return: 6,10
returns 4,54
